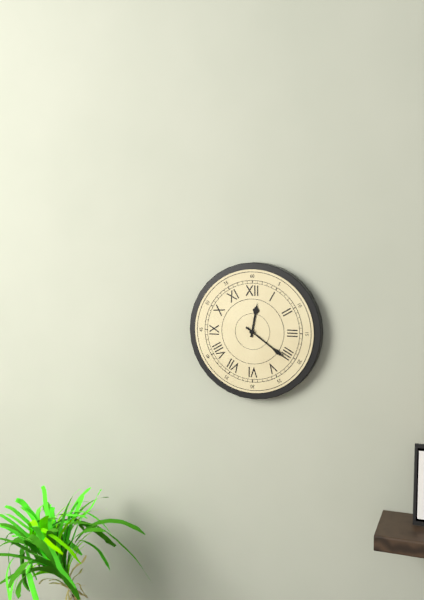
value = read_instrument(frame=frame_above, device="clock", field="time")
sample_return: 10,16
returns 12,21
